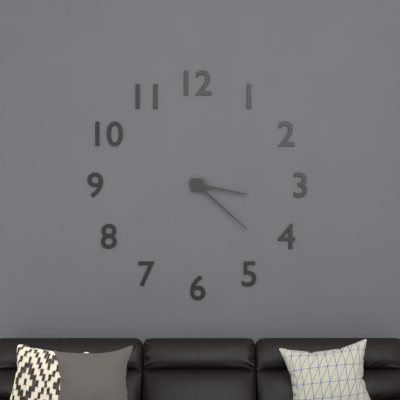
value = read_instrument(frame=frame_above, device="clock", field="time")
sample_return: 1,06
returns 3,22
